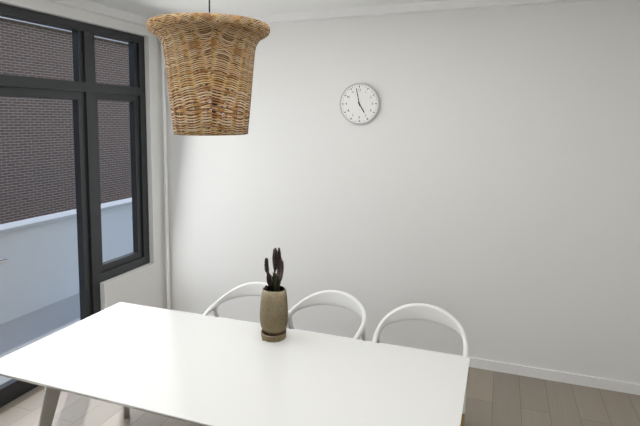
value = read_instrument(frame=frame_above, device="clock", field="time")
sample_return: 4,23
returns 4,58
